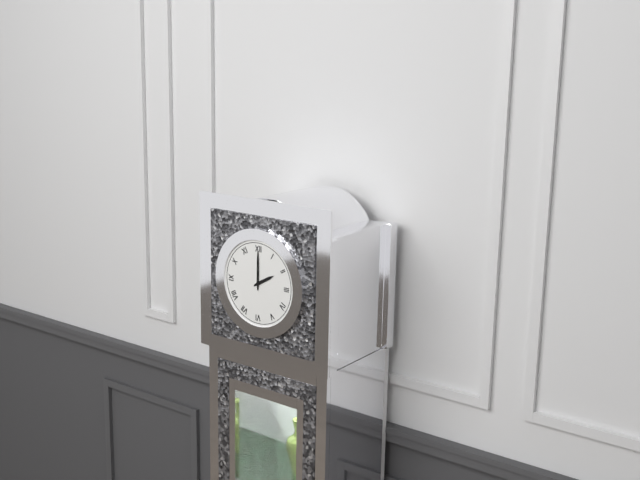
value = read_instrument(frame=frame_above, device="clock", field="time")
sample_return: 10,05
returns 2,00
